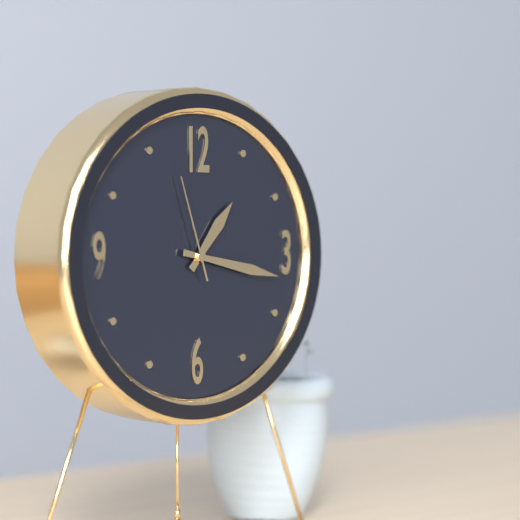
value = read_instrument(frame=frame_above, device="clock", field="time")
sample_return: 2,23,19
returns 1,17,57
